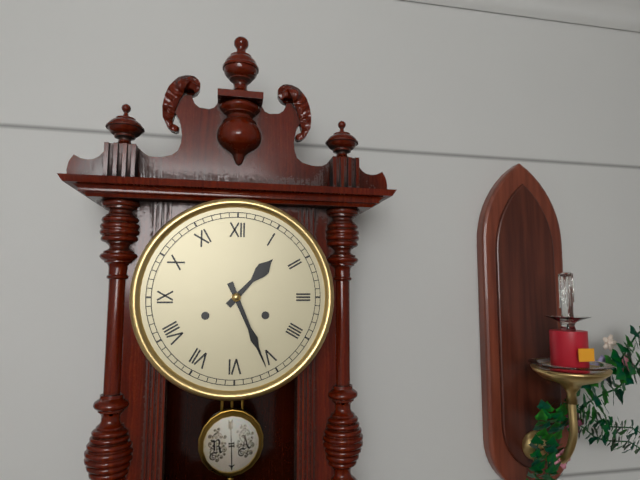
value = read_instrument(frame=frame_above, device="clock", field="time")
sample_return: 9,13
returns 1,26
